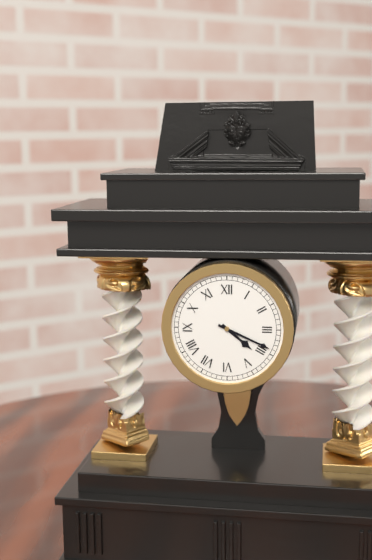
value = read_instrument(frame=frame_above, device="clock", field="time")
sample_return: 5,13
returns 4,19
